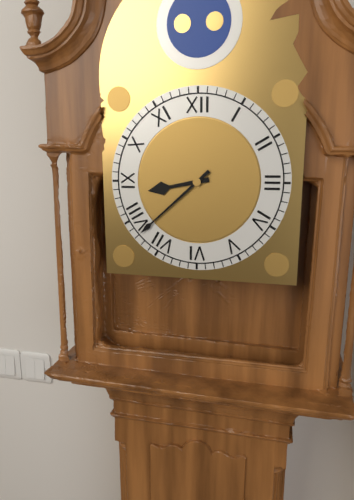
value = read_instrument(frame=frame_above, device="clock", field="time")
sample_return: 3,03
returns 8,38
